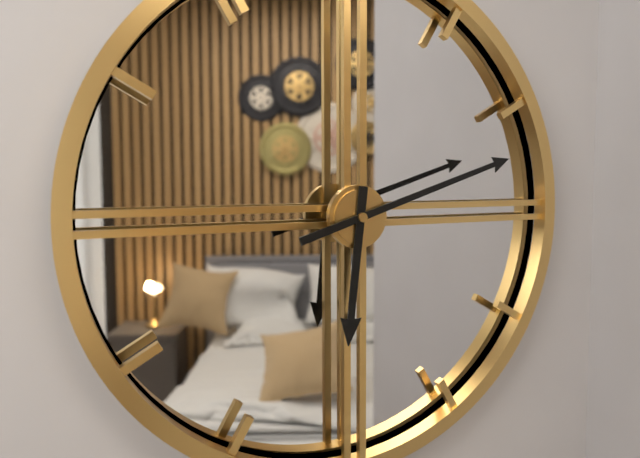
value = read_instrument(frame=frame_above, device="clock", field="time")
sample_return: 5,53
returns 6,12
